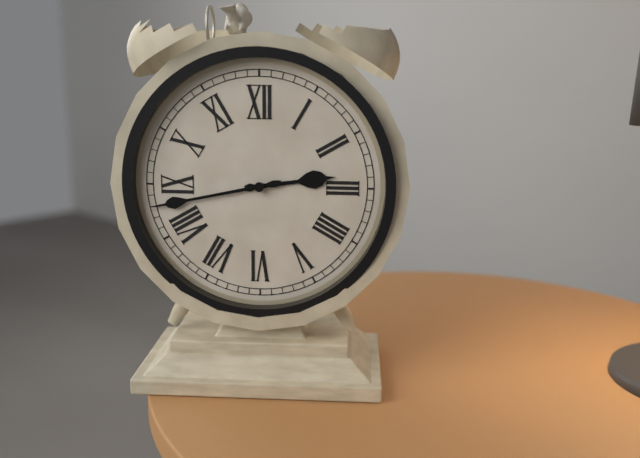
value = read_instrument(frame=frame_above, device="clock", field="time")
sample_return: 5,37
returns 2,43
